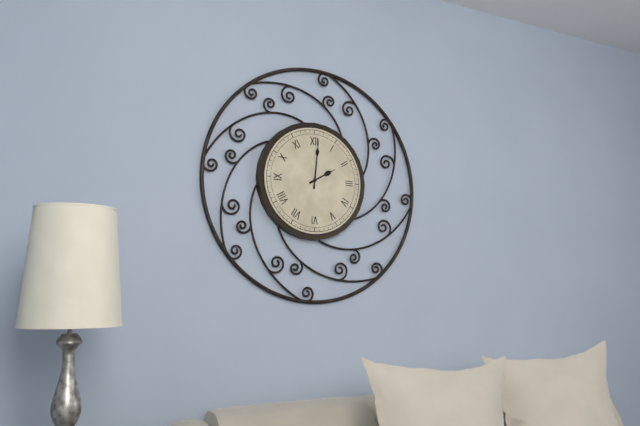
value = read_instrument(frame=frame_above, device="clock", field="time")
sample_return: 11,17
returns 2,01
